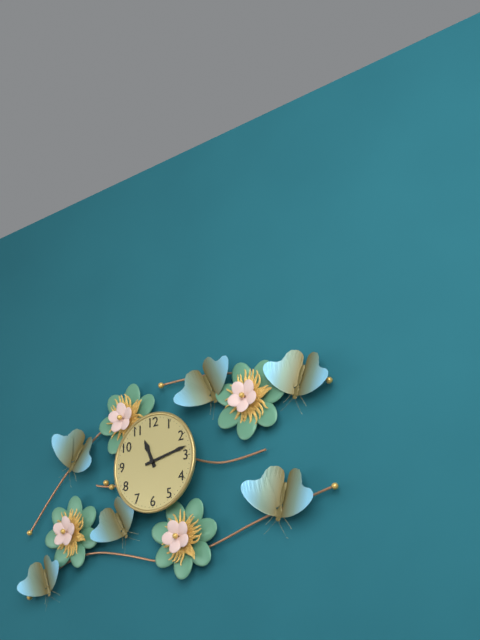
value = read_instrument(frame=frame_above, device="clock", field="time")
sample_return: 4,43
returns 11,13
